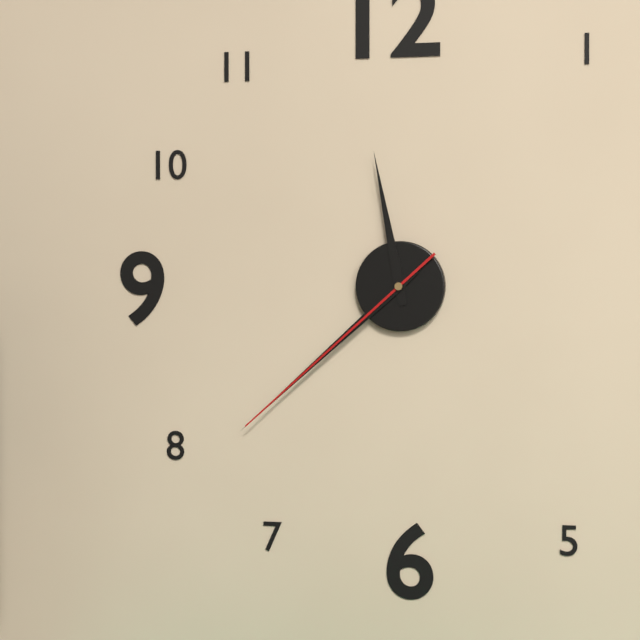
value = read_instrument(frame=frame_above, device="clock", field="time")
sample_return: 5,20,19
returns 11,38,38
